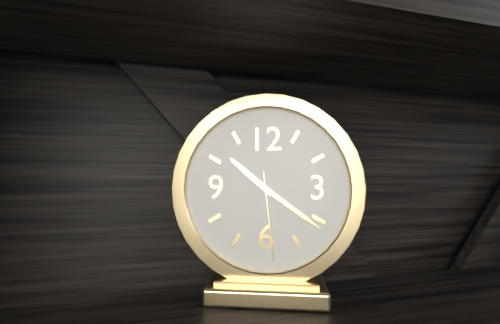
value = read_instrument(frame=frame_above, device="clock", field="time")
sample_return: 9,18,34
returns 10,21,29
